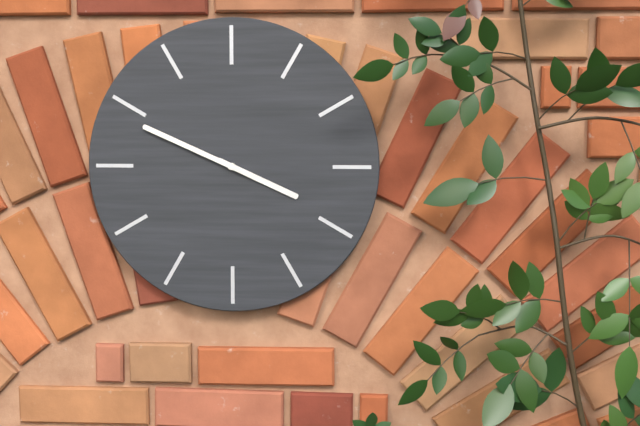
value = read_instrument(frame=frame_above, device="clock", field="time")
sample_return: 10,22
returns 3,49
